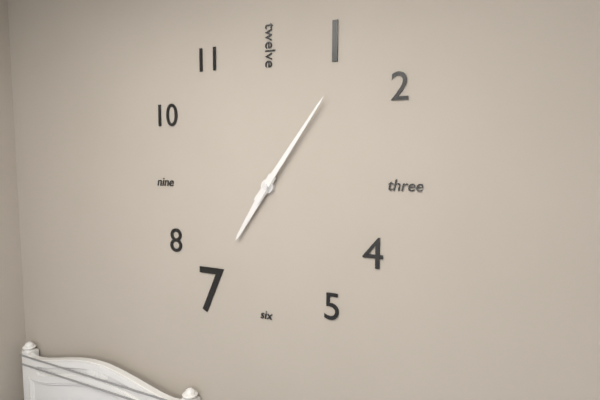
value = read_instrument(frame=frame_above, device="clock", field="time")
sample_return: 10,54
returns 7,06
